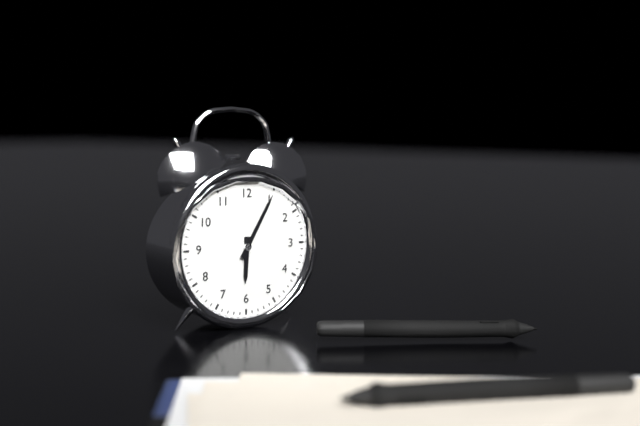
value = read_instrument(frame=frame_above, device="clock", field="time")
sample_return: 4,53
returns 6,05
